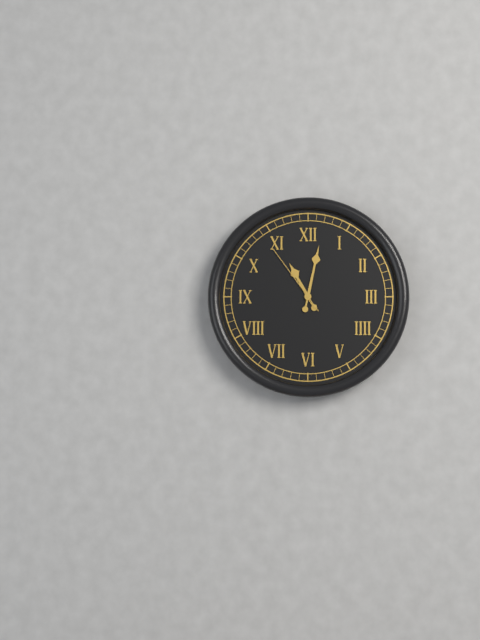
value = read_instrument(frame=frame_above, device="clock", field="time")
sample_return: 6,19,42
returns 11,02,54
